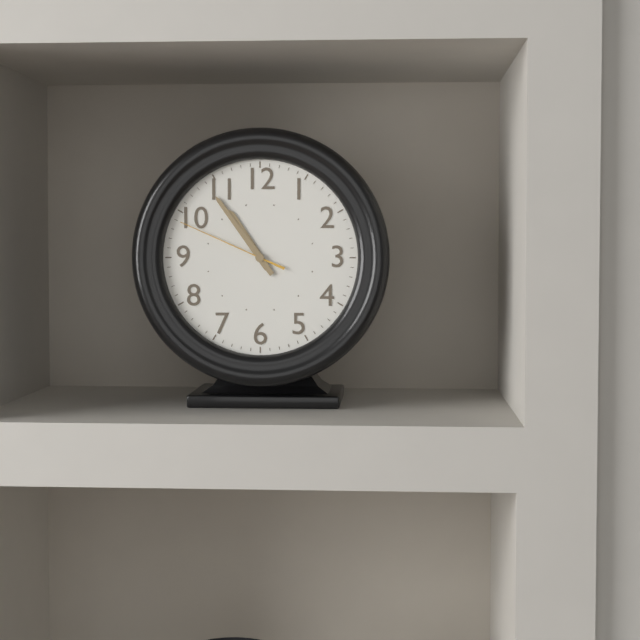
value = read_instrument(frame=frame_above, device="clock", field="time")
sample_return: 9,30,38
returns 10,54,49
